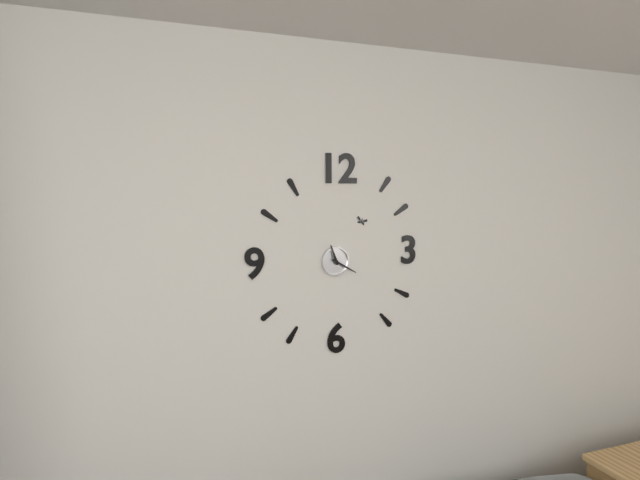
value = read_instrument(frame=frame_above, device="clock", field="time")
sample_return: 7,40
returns 11,20
